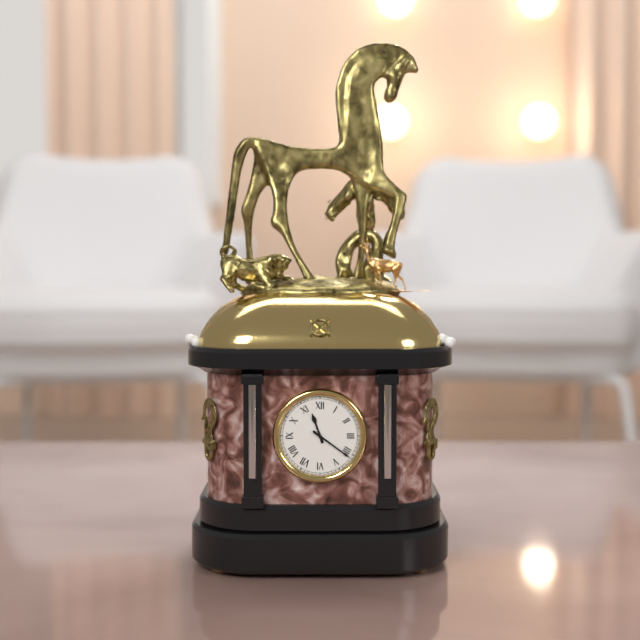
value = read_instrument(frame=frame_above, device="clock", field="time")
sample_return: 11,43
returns 11,21
